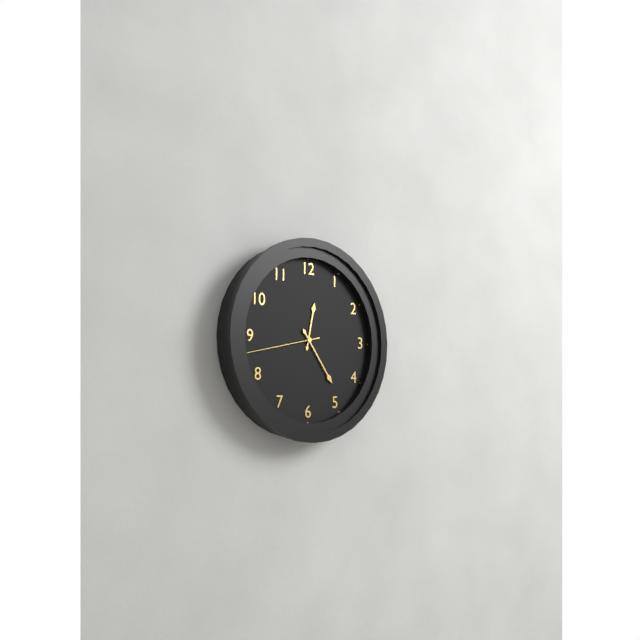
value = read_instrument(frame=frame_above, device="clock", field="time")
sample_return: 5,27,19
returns 12,24,43
